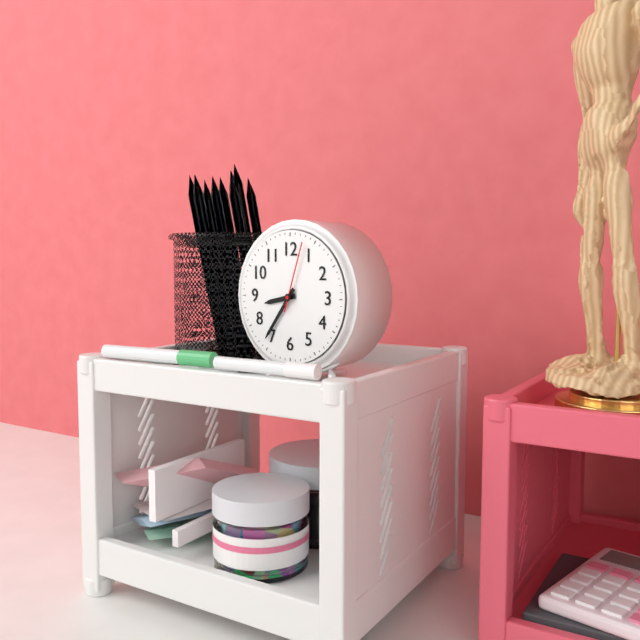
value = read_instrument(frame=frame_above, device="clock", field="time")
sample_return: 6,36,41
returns 8,36,03
